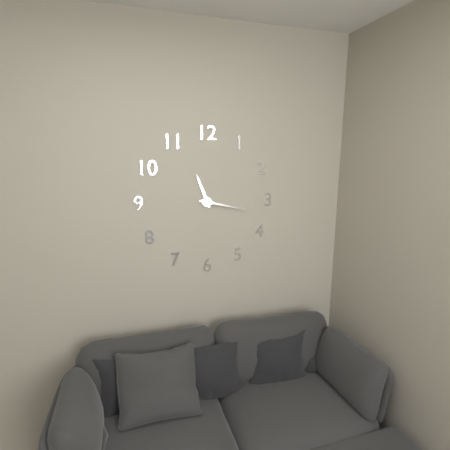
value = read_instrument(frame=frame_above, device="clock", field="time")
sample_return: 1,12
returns 11,17
